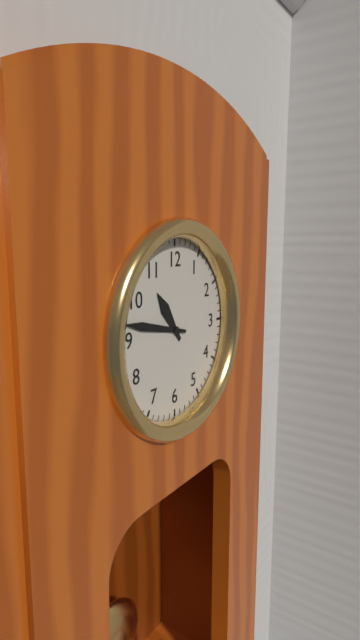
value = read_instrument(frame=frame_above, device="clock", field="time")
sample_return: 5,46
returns 10,47
